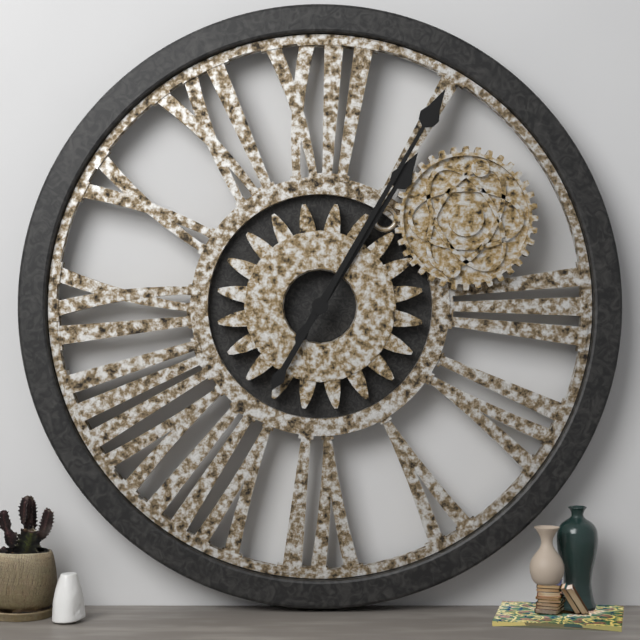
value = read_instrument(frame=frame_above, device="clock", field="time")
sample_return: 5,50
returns 1,05
